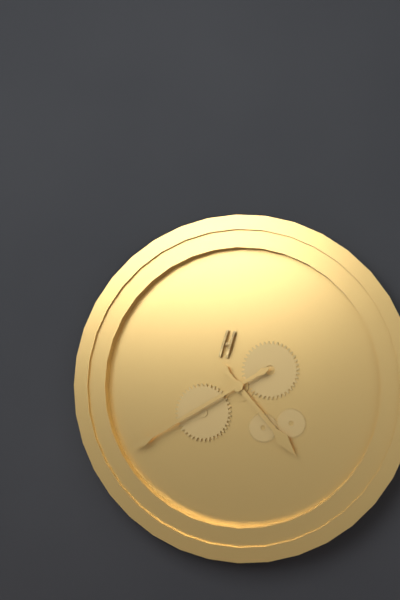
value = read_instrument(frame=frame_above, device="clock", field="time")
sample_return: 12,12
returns 4,40
